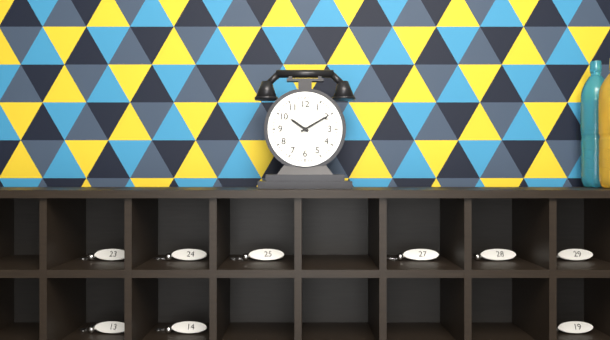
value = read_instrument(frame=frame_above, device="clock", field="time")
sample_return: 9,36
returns 10,10
